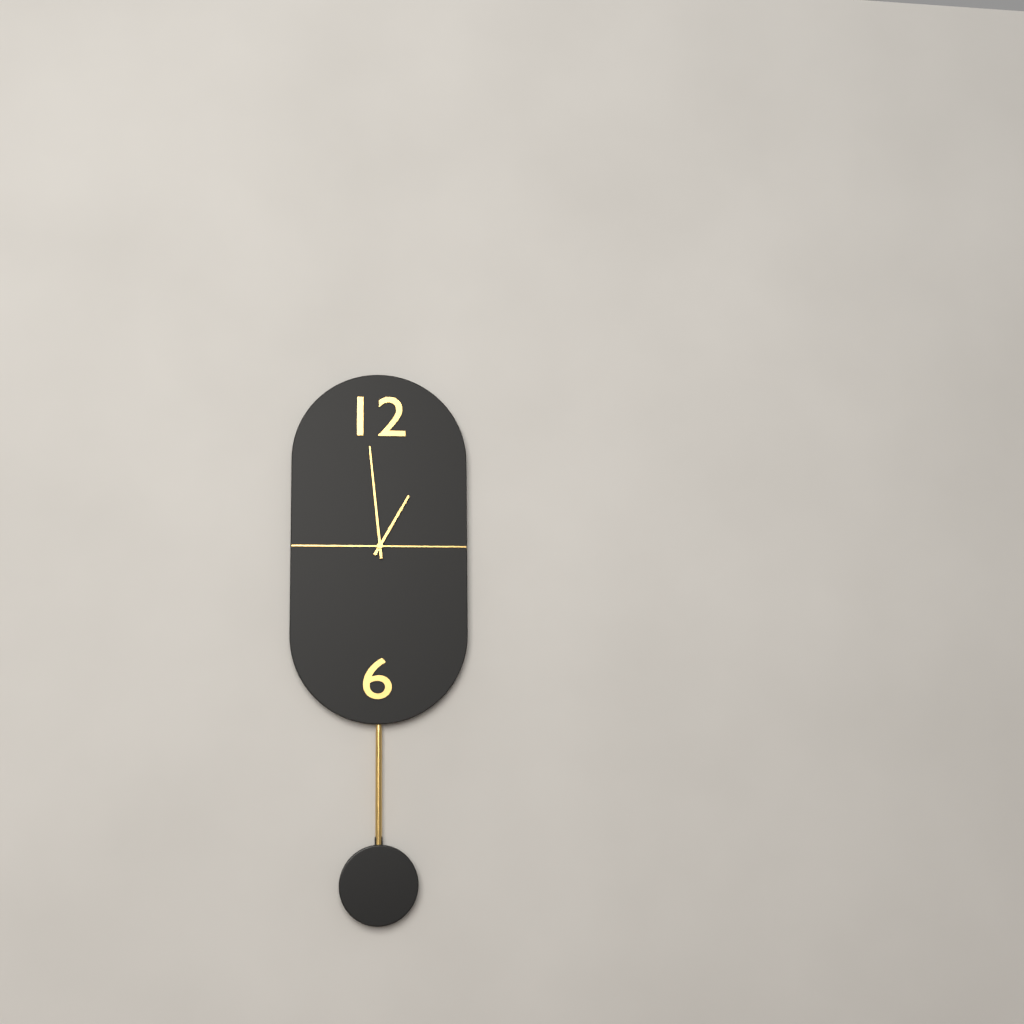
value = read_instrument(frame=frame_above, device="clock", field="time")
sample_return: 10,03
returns 12,59
